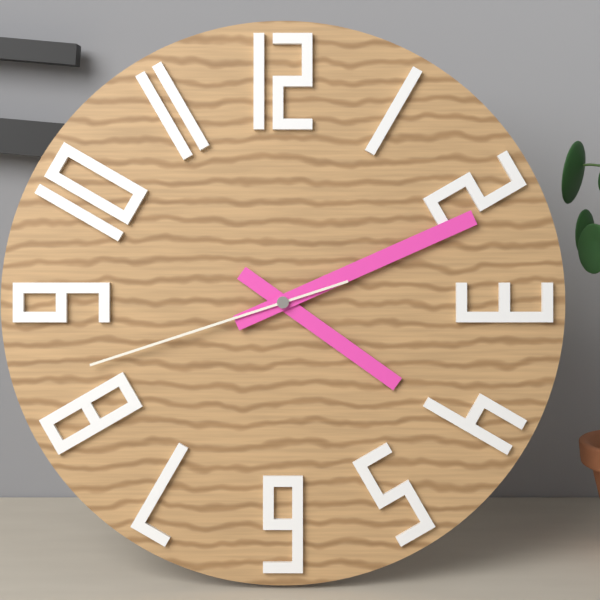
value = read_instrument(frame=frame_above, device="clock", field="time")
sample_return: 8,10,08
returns 4,11,42
